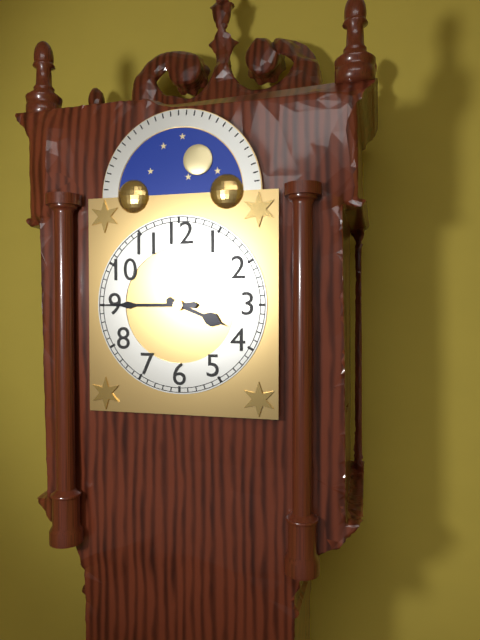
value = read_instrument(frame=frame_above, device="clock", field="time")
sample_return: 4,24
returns 3,45
